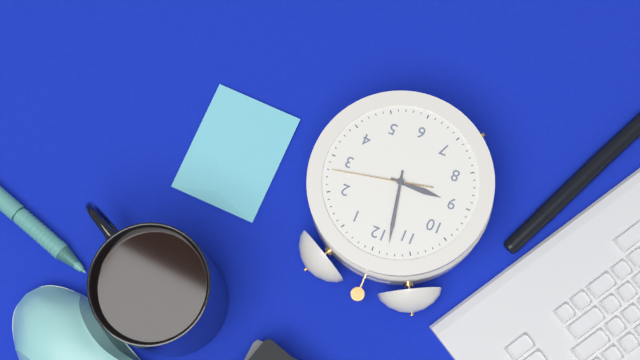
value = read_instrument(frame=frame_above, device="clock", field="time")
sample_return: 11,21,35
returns 8,58,13
